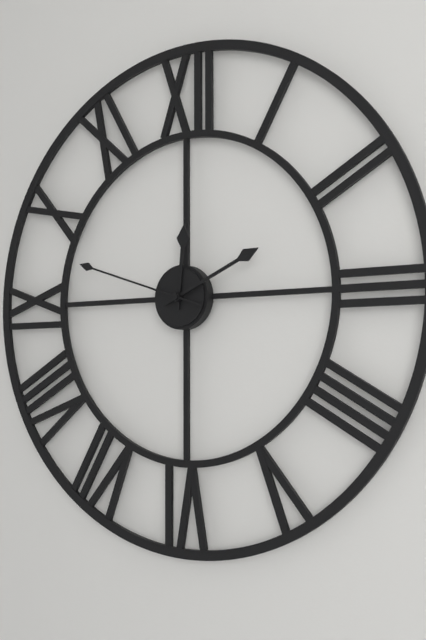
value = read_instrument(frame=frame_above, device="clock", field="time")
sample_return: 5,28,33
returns 12,11,48
